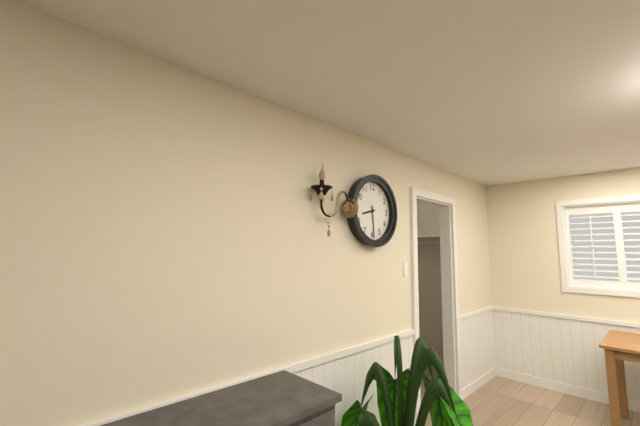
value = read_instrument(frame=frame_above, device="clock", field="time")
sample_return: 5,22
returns 8,29
